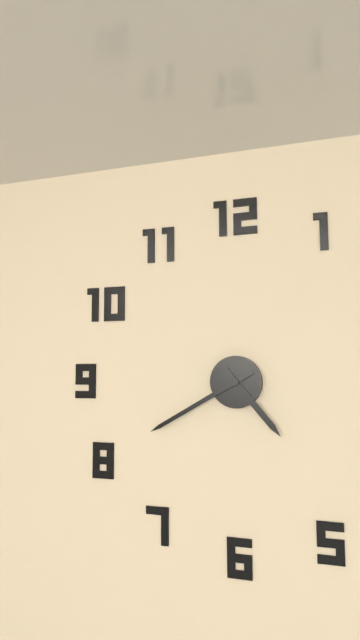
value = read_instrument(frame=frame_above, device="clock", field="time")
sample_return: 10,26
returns 4,40
